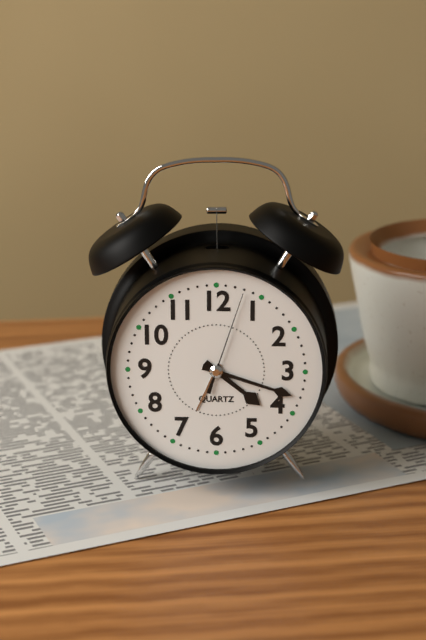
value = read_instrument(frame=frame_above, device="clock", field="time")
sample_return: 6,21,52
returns 4,18,03
